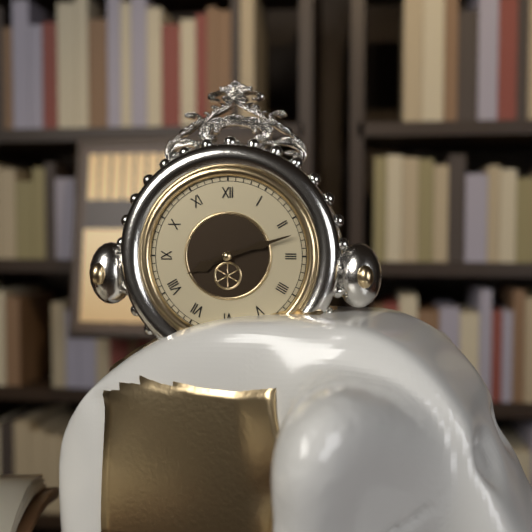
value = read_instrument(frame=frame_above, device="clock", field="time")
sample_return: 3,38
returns 8,12
